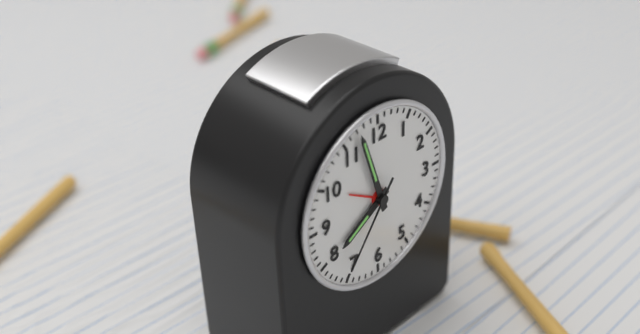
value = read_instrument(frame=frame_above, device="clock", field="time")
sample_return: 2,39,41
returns 7,57,36
